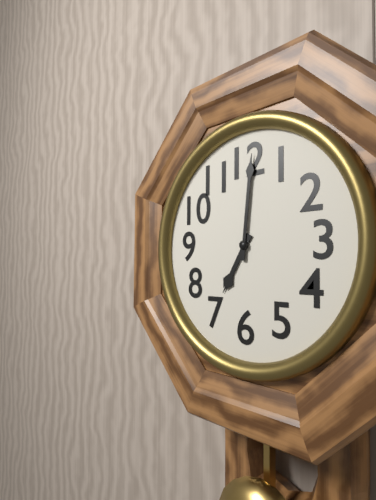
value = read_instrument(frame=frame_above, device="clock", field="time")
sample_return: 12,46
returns 7,01
